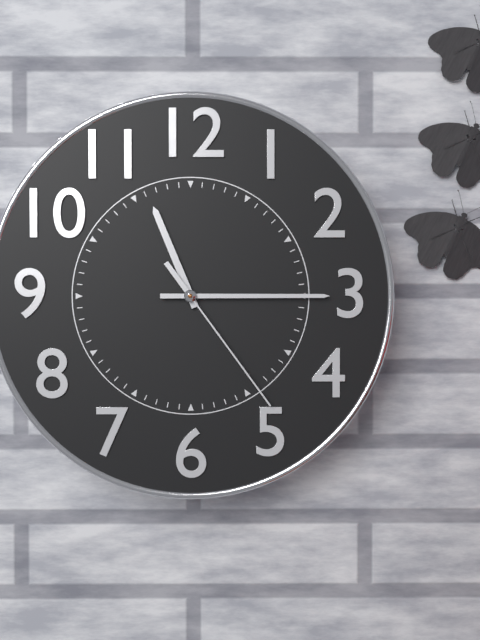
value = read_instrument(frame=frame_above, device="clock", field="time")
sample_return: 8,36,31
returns 11,15,24
